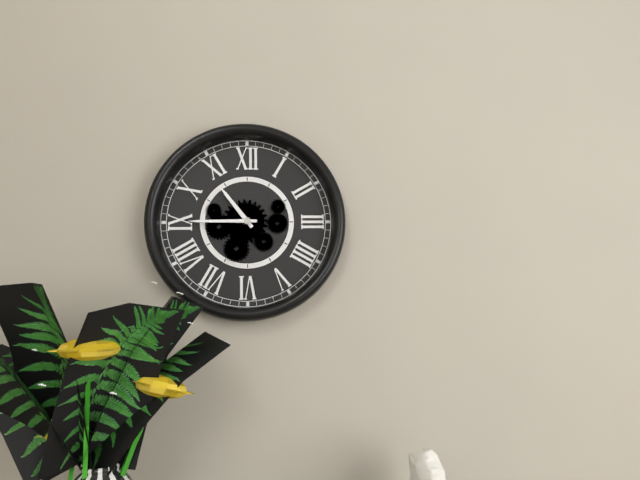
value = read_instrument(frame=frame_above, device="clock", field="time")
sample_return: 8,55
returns 10,45
